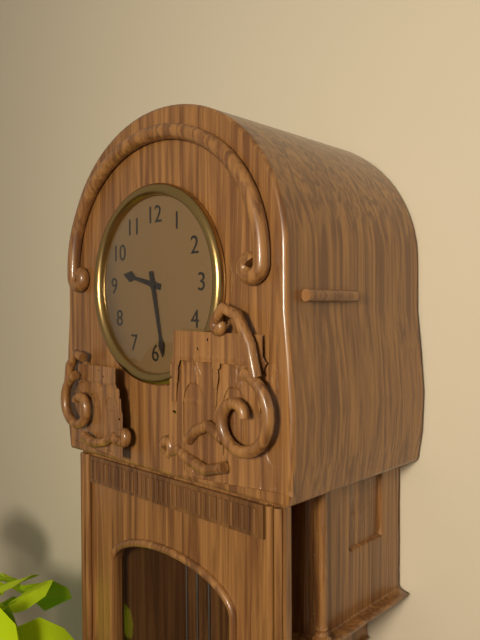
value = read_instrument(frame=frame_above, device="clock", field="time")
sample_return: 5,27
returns 9,28
